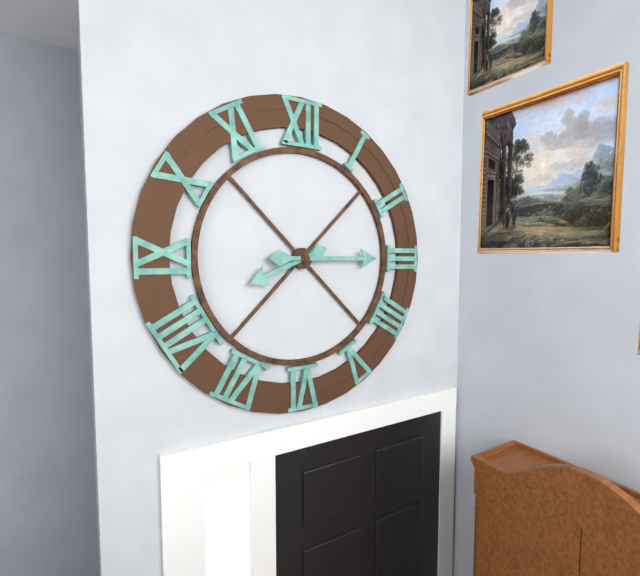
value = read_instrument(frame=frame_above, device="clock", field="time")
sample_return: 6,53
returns 8,15
